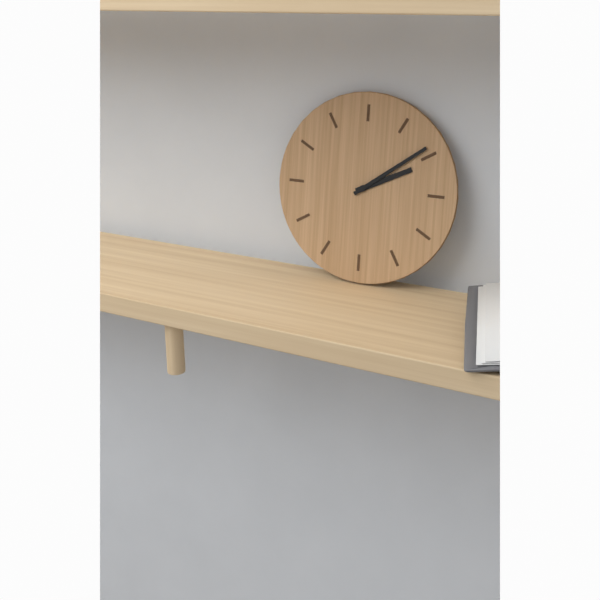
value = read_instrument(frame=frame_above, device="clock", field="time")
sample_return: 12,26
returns 2,09
